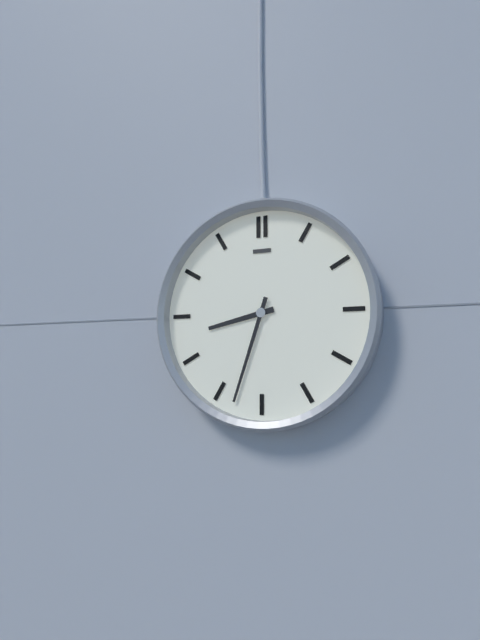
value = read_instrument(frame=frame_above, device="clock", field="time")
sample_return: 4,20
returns 8,33
